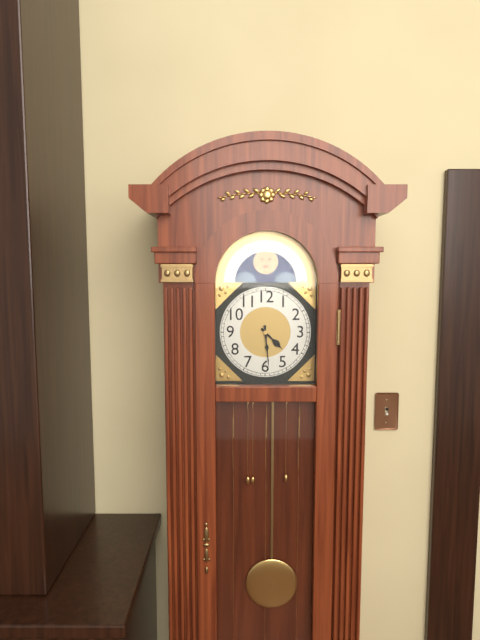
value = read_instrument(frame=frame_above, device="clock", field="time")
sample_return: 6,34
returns 4,29
